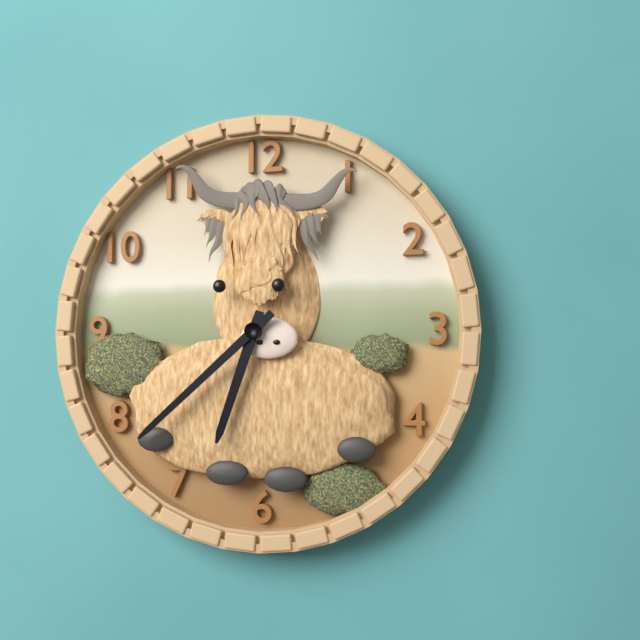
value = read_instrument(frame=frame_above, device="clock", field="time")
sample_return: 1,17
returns 6,38
